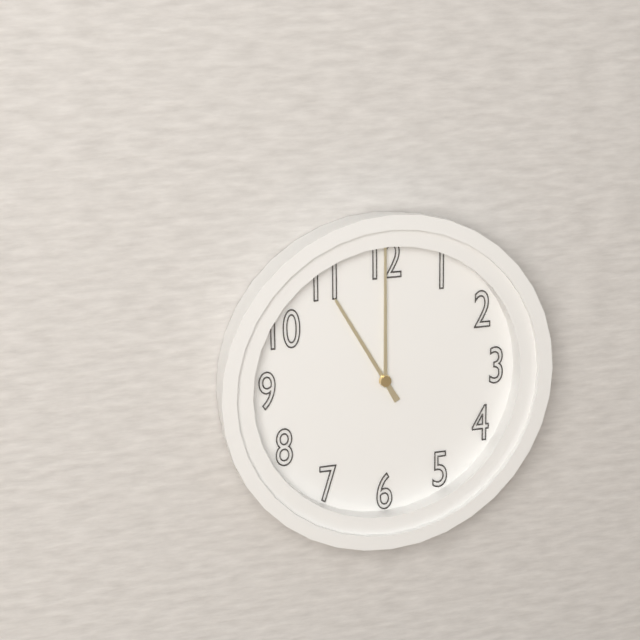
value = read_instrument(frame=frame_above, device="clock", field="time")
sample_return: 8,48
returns 11,00
